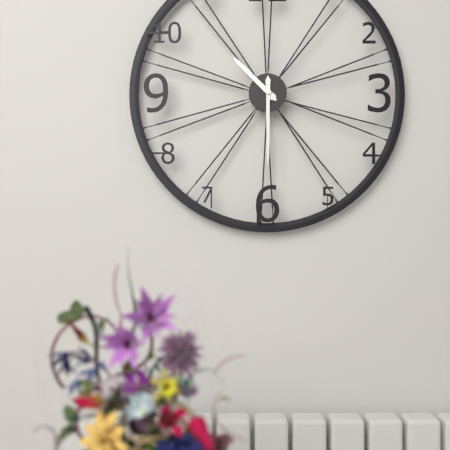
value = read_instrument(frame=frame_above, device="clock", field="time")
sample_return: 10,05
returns 10,30
